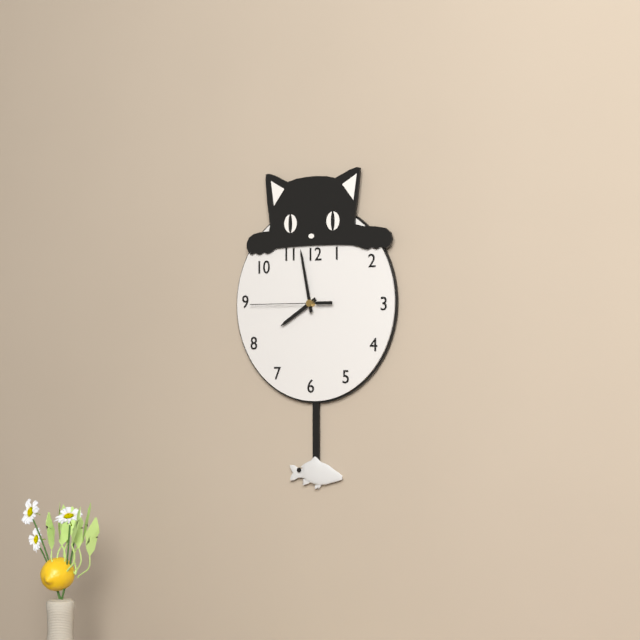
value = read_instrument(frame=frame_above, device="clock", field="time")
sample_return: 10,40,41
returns 7,58,45
